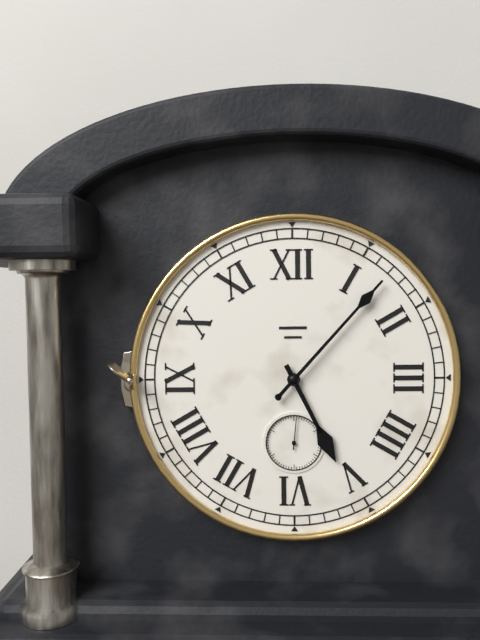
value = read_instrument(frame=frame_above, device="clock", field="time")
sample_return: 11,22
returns 5,07
